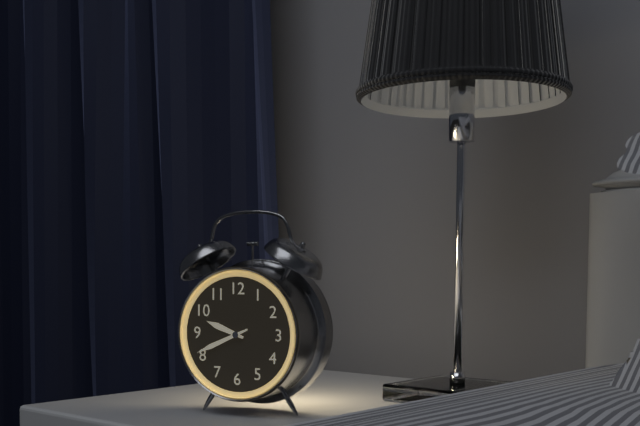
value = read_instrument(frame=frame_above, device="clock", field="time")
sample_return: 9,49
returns 9,41
